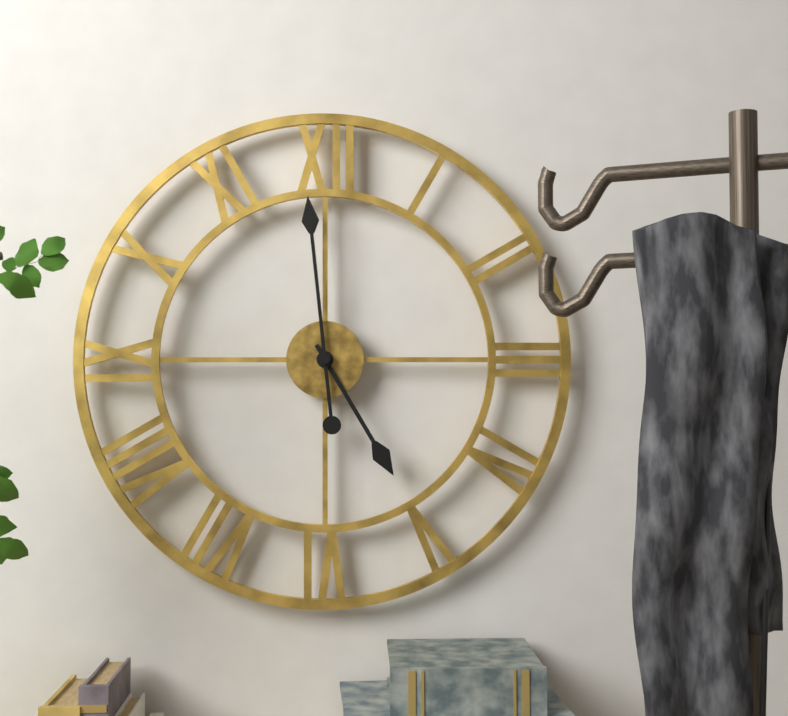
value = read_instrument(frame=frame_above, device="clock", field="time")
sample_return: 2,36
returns 4,59
